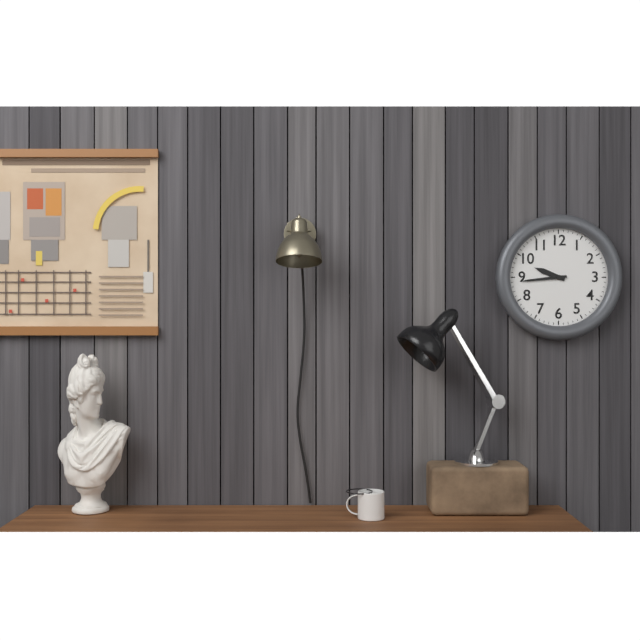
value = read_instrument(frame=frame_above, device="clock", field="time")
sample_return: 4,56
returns 9,44
